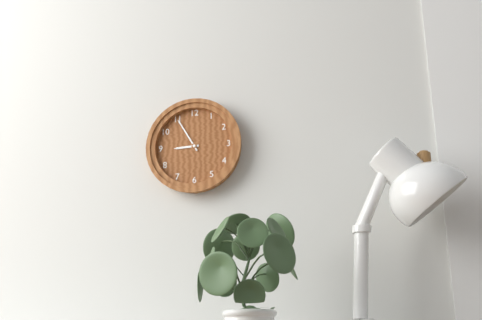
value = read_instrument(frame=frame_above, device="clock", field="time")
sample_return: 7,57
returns 8,55
